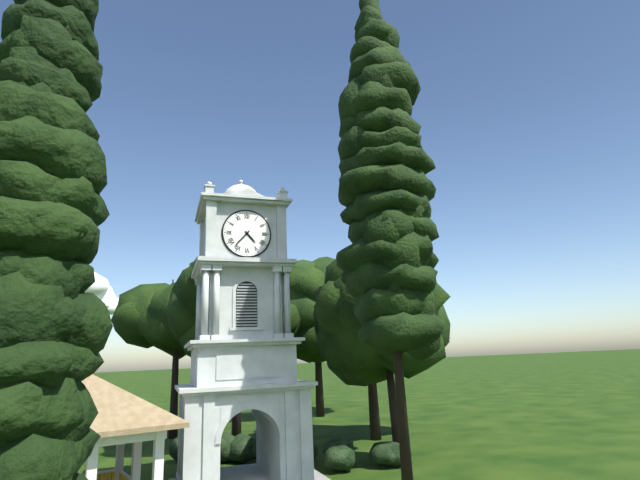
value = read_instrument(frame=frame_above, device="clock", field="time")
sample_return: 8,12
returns 4,37
